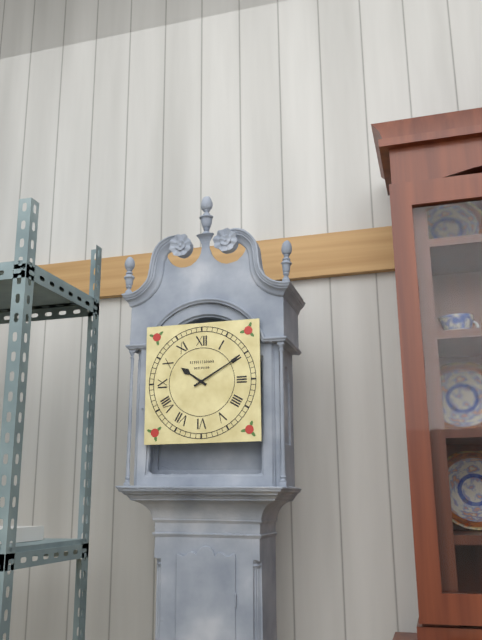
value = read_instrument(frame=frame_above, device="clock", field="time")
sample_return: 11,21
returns 10,10
